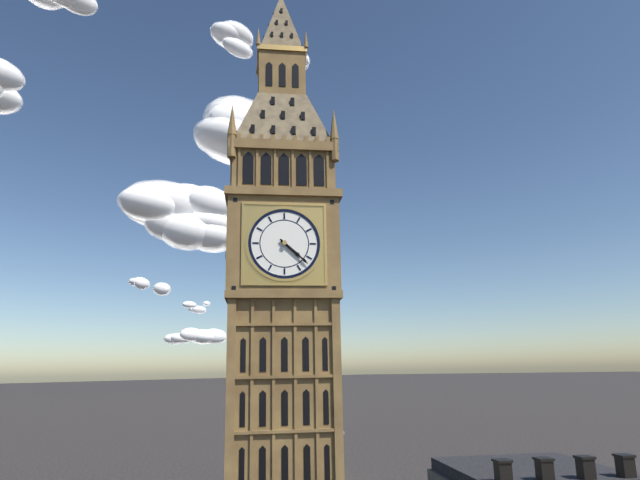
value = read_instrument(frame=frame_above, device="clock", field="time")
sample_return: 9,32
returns 4,22
